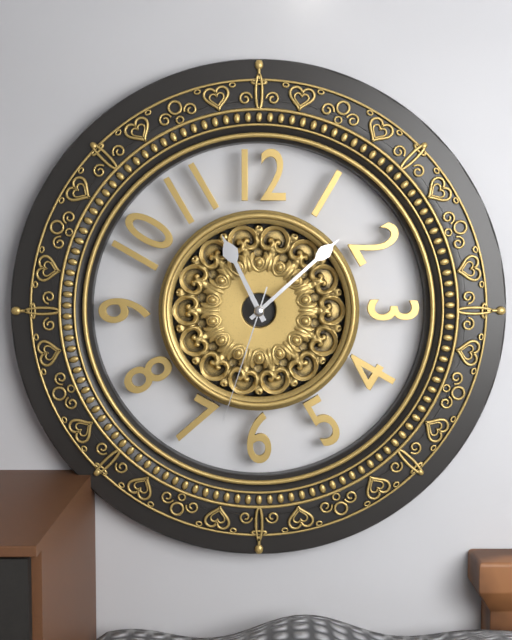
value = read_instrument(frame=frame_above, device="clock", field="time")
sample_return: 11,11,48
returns 11,08,33
